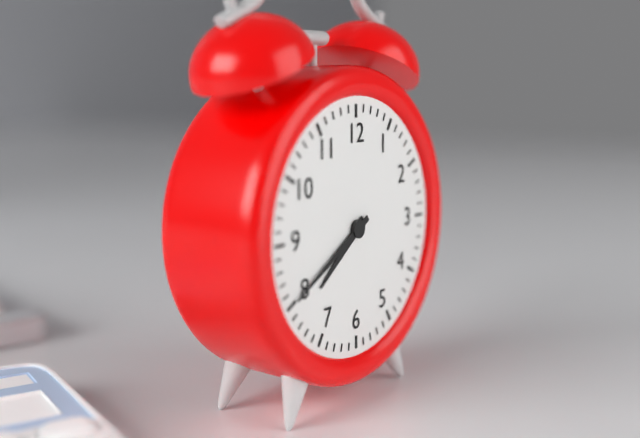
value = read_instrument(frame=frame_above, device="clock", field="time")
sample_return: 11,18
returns 7,40
